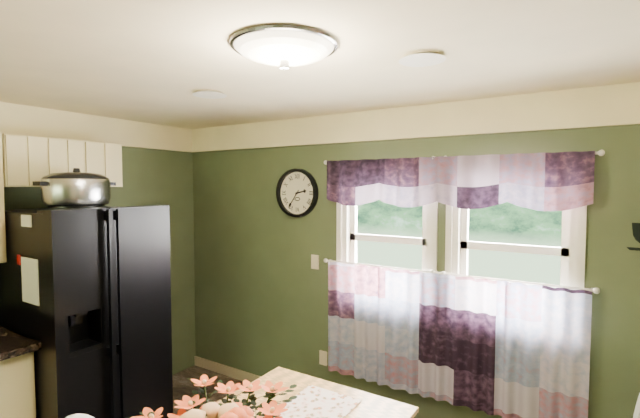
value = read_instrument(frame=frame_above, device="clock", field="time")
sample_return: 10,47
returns 2,36
